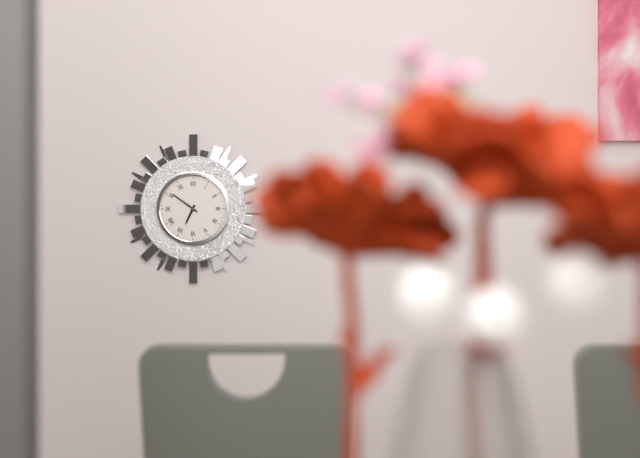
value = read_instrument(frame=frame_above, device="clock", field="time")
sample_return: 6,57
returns 6,51
